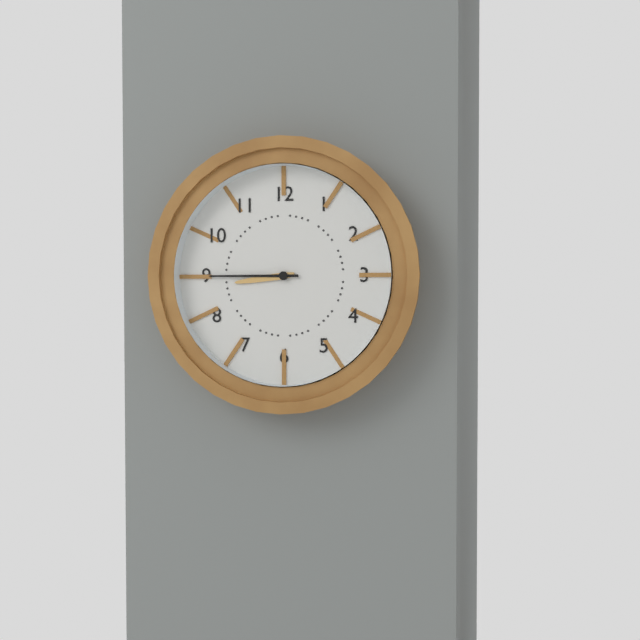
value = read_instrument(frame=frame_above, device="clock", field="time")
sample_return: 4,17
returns 8,45
